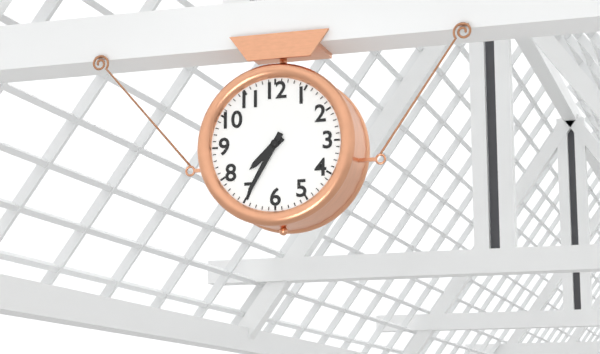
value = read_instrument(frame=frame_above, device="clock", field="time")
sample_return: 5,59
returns 7,35
